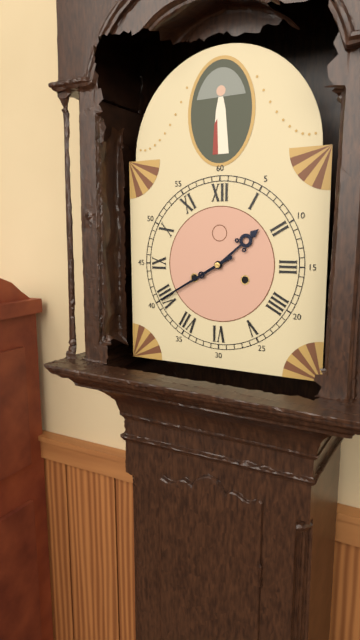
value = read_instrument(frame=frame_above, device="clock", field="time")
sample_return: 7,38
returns 1,40
